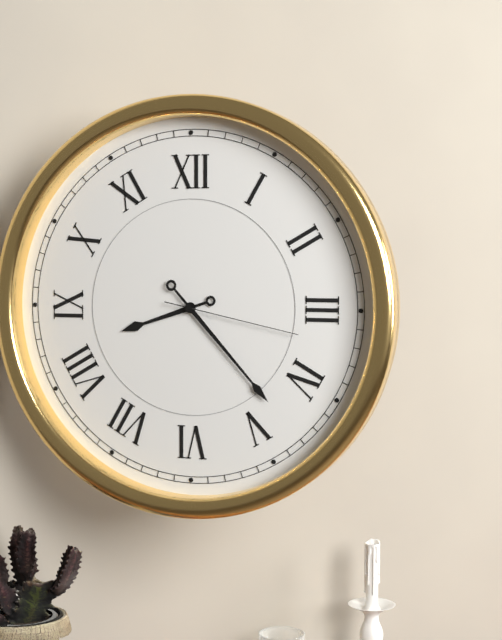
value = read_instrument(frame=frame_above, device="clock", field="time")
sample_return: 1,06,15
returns 8,23,17
